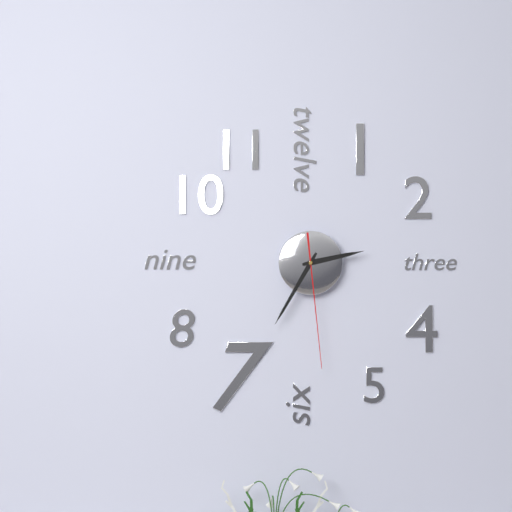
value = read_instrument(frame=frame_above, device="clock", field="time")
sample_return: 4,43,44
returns 2,35,29
